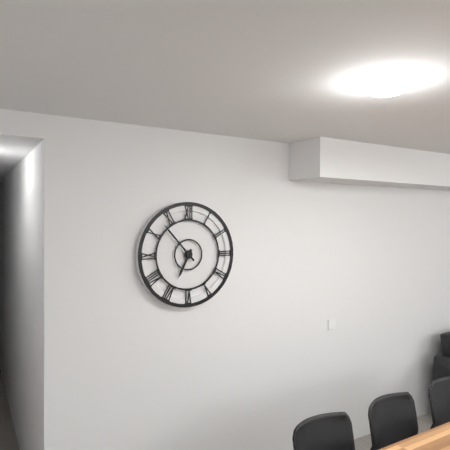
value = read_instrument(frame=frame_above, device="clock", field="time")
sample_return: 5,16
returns 6,53
